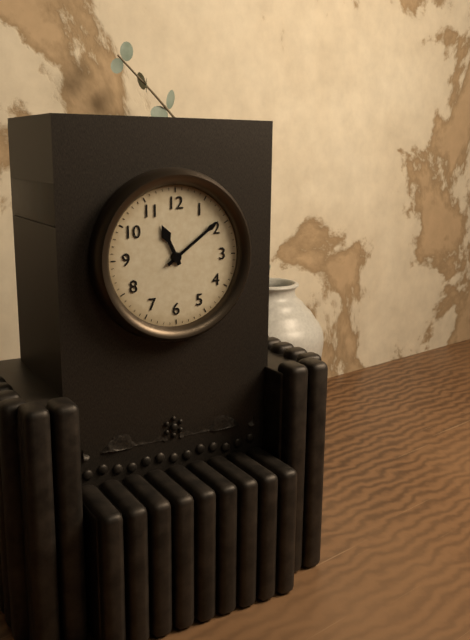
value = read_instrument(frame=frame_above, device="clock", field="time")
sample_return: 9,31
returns 11,09
